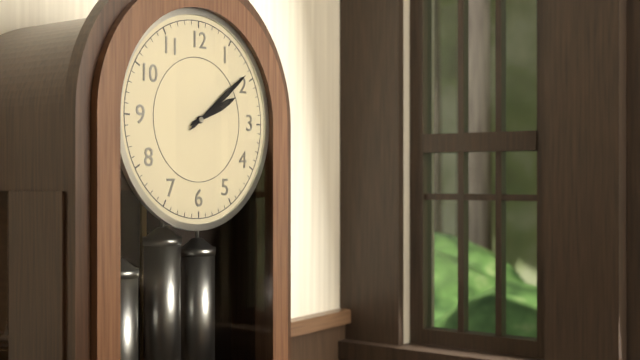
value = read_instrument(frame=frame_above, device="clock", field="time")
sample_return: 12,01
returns 2,09
